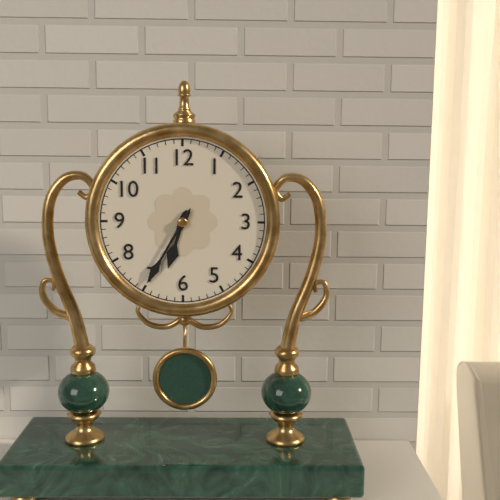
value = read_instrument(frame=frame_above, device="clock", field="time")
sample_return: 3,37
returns 6,35
